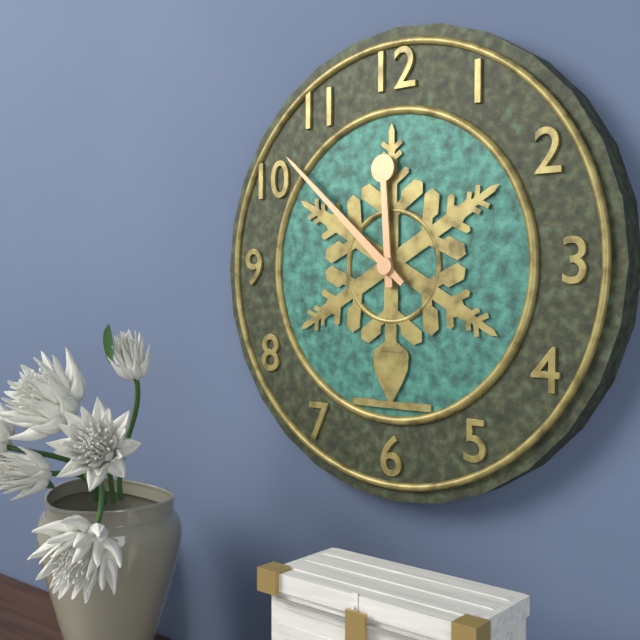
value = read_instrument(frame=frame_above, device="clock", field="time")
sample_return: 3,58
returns 11,52
